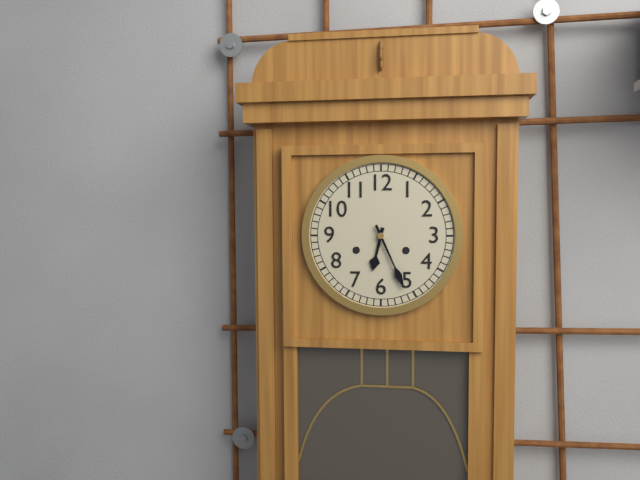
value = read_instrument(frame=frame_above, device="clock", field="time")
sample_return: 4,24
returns 6,26
